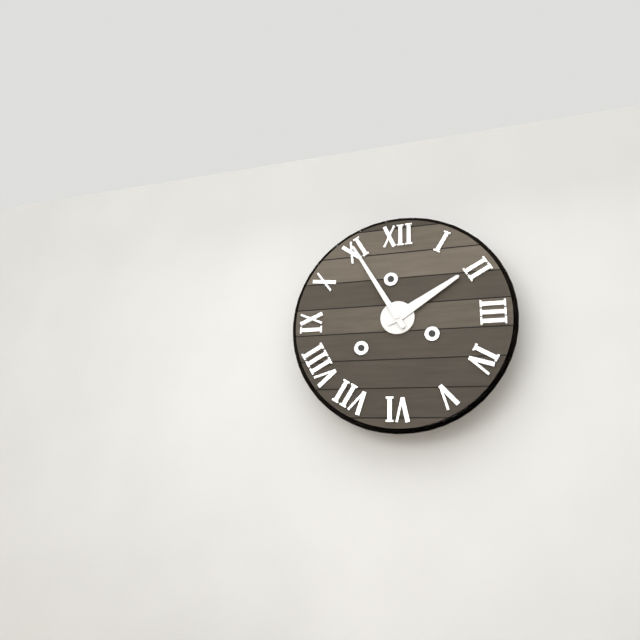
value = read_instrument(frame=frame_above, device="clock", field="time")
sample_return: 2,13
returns 1,55
